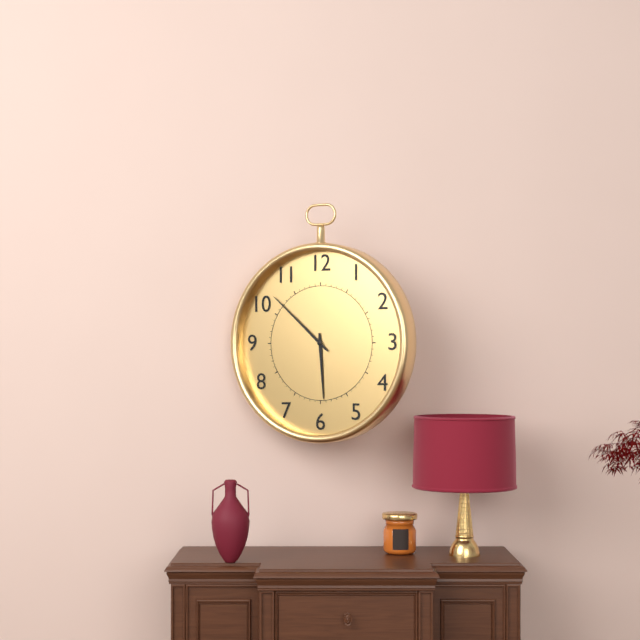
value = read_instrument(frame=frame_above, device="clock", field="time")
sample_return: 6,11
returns 5,52
